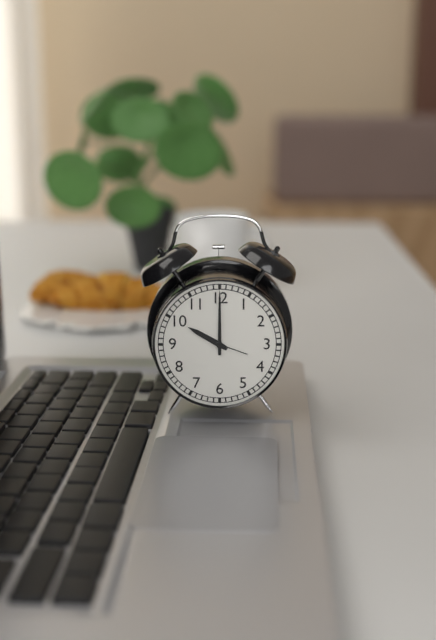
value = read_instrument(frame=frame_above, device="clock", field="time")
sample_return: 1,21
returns 10,00
